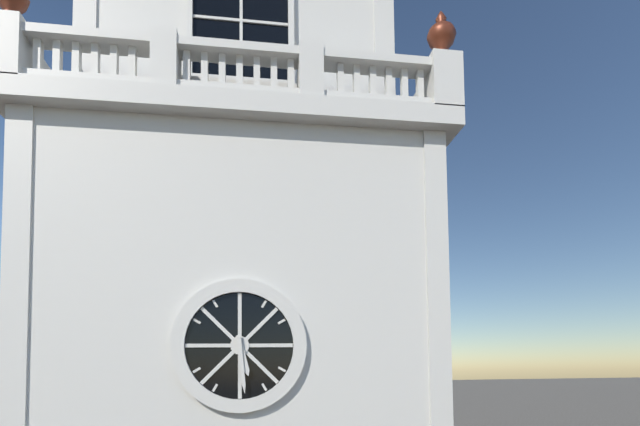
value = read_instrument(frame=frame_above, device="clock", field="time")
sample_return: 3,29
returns 5,29
